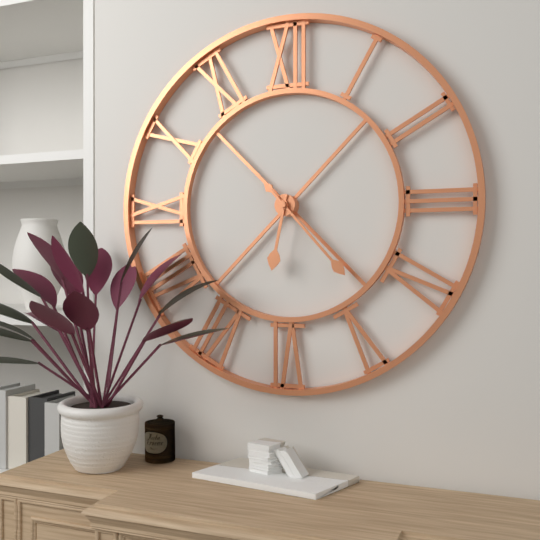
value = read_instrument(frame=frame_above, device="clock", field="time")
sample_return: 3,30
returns 6,23
